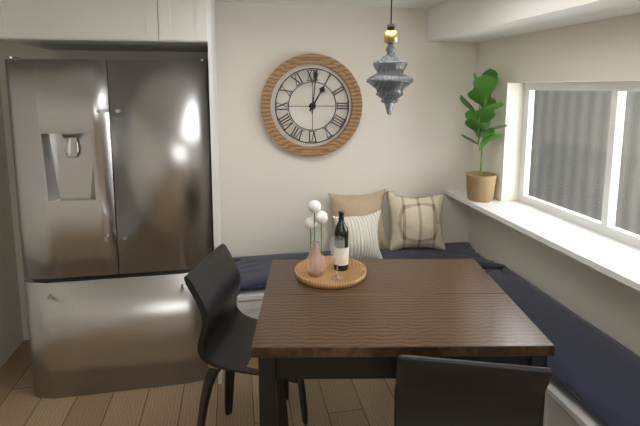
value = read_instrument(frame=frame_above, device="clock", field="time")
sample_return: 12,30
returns 1,01
